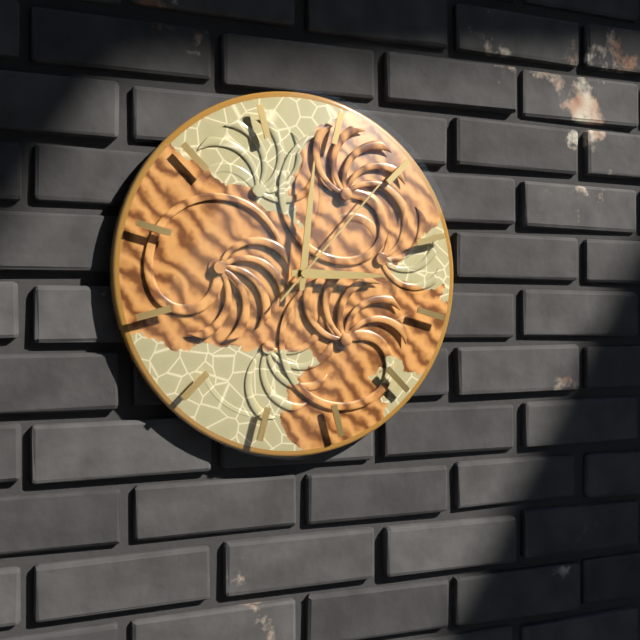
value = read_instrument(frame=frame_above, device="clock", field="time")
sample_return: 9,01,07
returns 3,01,07
